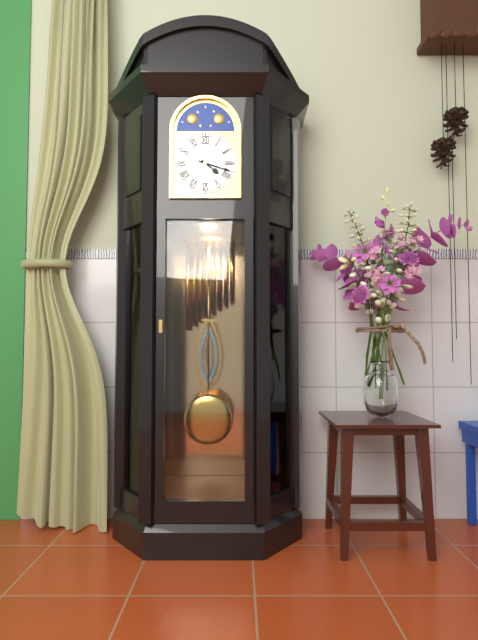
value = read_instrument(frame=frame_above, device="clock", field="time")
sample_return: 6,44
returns 4,18
